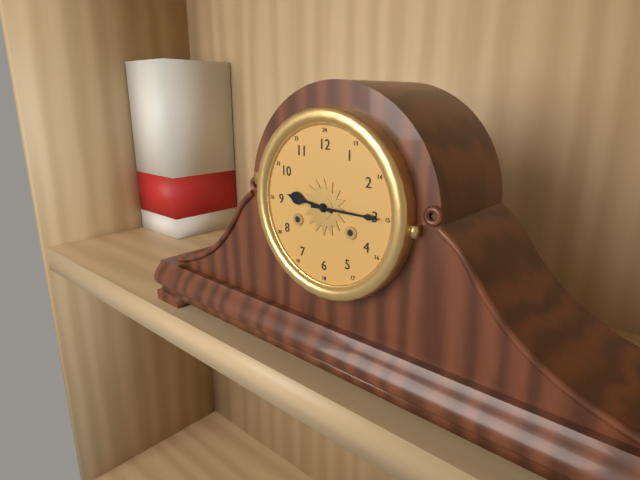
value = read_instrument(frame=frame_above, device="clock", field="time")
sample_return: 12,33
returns 9,15
